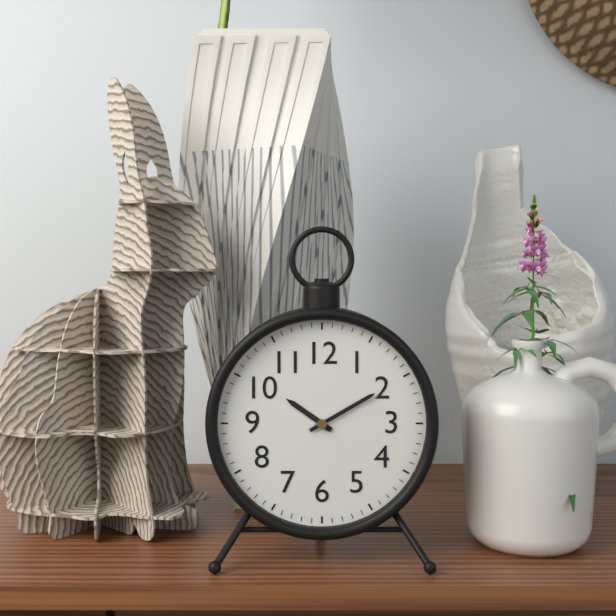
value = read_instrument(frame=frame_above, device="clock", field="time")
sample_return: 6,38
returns 10,10
